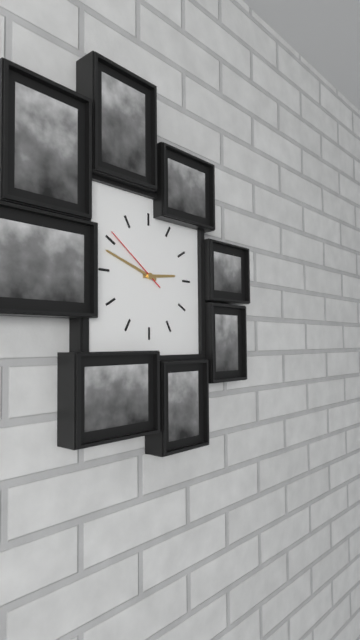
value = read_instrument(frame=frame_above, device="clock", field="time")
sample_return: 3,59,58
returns 2,48,51
